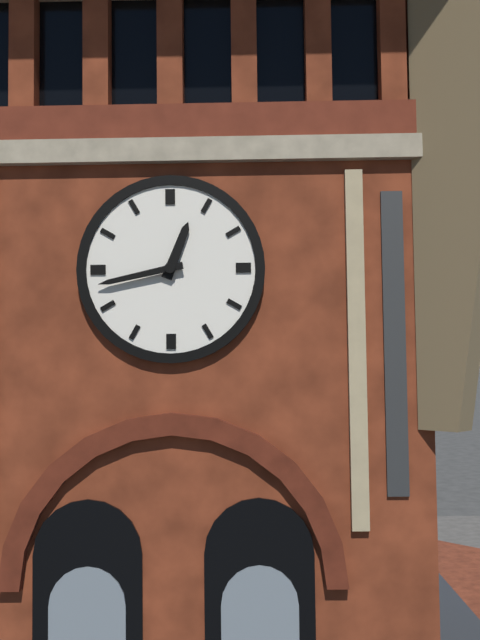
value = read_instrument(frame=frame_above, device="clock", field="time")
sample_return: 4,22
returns 12,43
